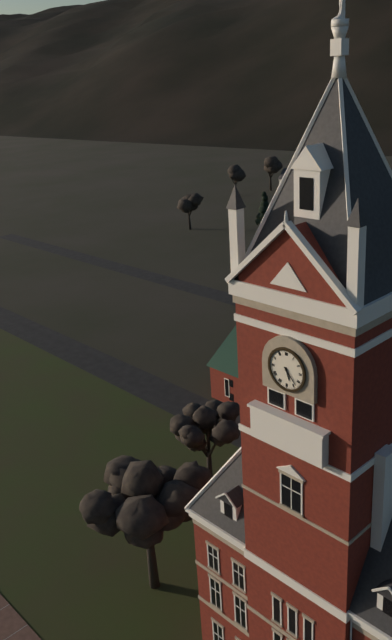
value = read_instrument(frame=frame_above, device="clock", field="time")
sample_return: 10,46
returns 5,23
